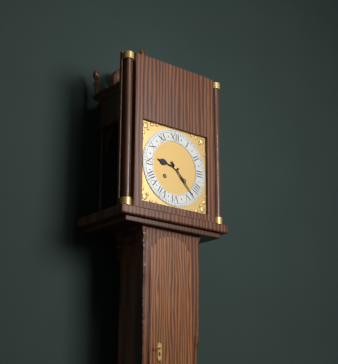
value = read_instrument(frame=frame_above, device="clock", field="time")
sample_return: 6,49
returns 9,23
